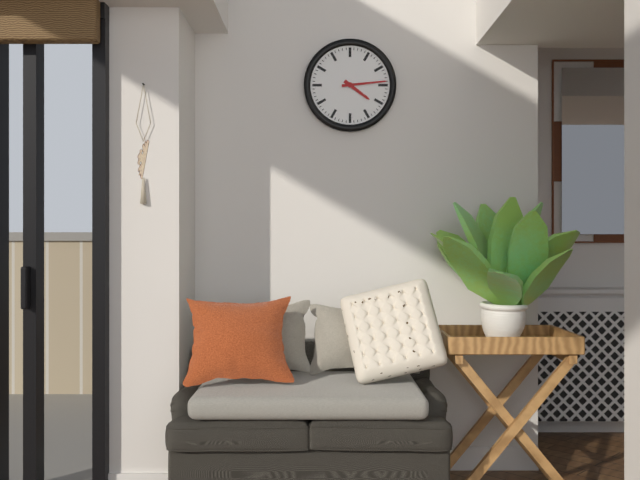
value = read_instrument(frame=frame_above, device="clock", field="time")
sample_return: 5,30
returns 4,14
